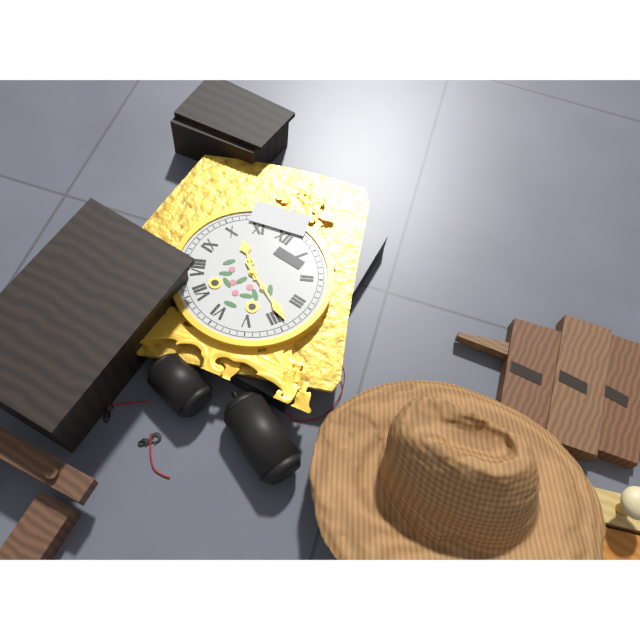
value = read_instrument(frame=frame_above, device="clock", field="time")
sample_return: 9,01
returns 10,19
